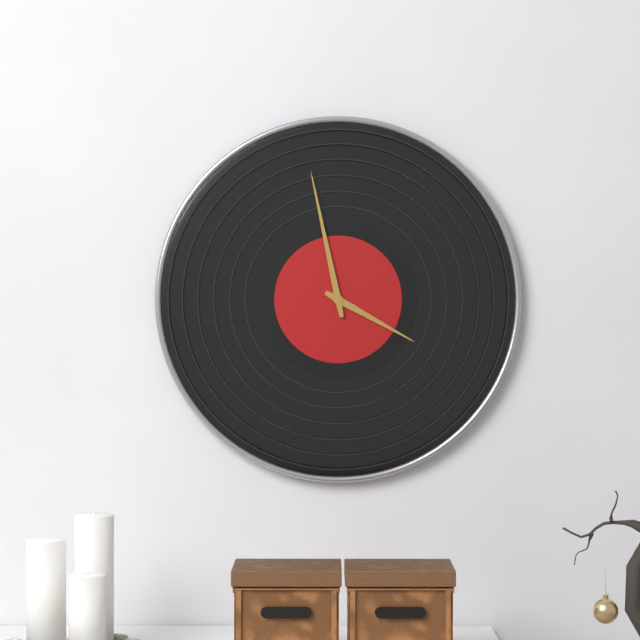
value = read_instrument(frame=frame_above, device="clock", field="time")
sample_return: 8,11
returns 3,58
